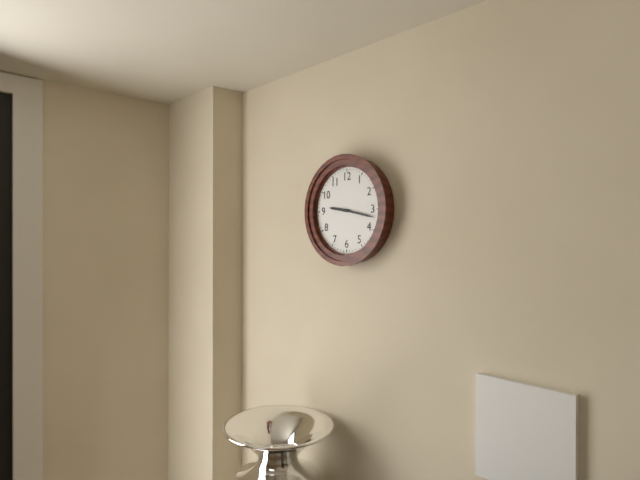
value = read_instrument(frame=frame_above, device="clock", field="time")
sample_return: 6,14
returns 9,17
